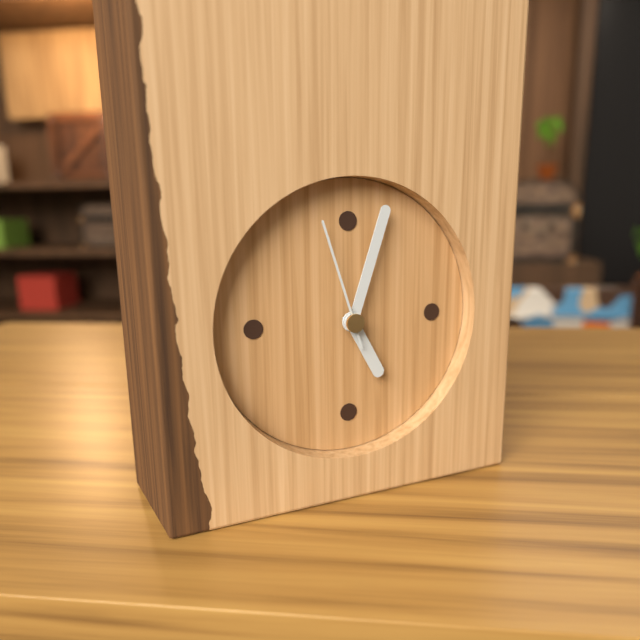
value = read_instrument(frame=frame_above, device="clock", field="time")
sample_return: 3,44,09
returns 5,03,57
